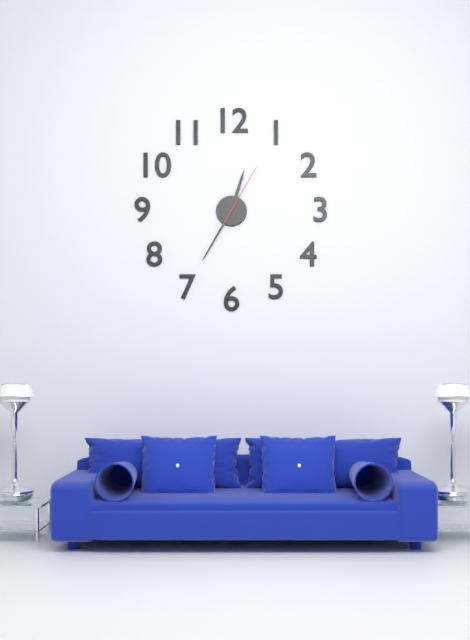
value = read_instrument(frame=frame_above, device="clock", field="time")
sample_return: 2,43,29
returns 12,35,05
